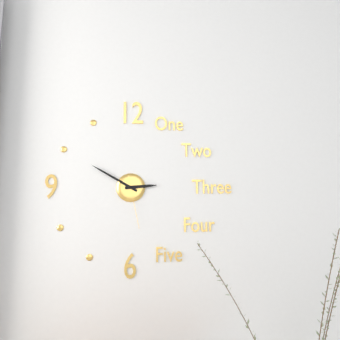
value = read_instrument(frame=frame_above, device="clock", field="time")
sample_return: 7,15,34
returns 2,50,28
